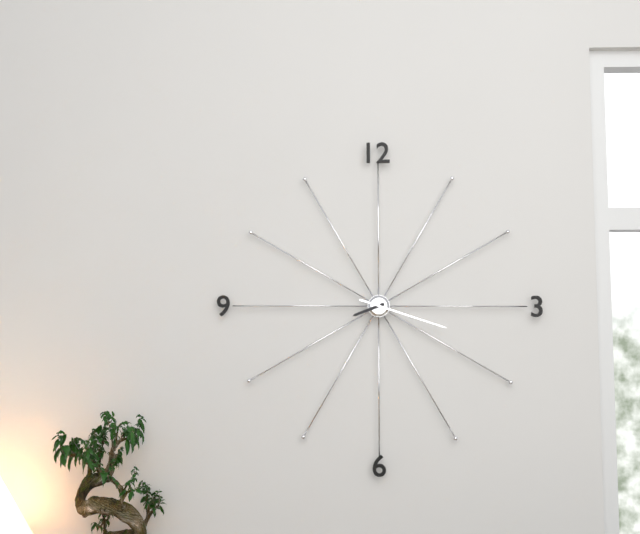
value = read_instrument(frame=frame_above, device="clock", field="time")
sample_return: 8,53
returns 8,18
